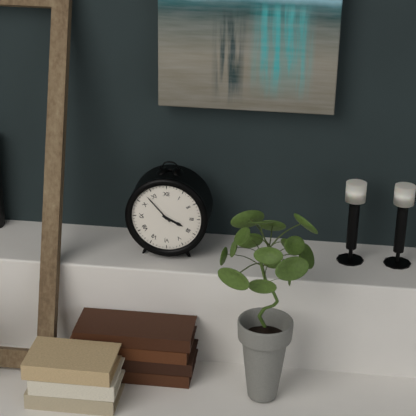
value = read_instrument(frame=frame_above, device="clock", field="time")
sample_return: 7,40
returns 3,53
